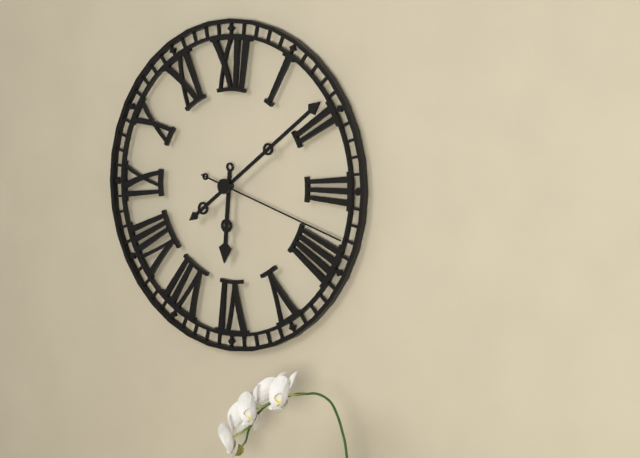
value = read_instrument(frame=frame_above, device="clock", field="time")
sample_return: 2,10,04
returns 6,09,18
